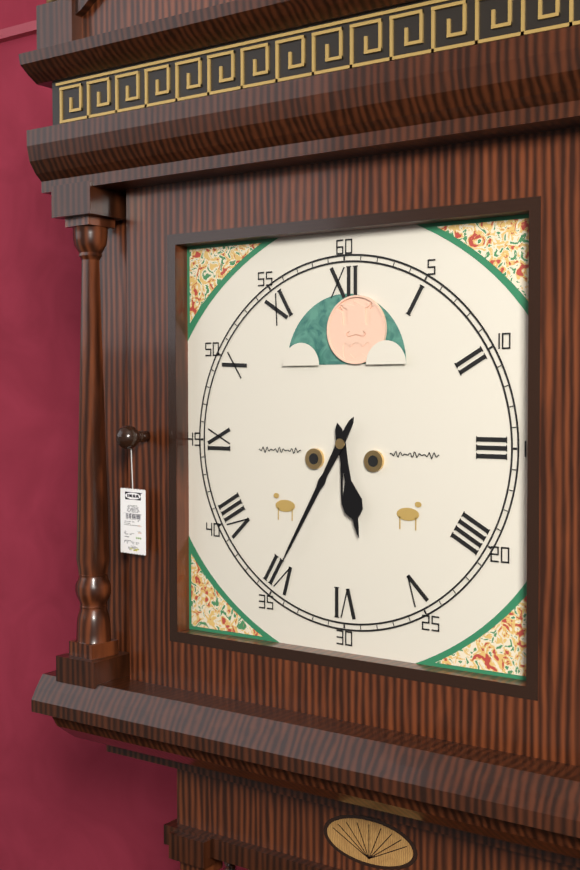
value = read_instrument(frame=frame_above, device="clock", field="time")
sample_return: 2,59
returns 5,35
